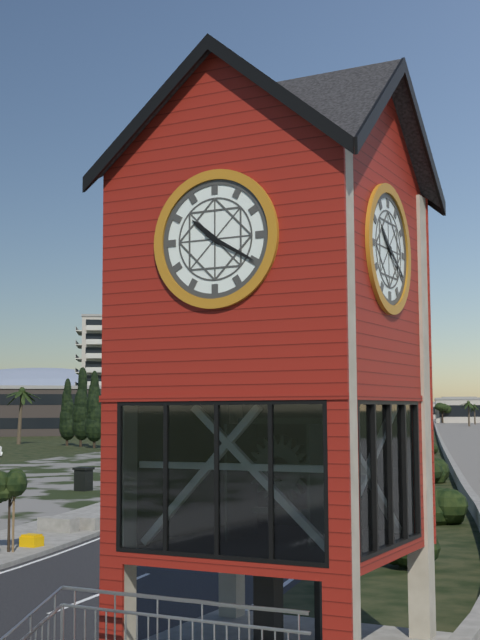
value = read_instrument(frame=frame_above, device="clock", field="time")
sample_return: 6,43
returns 10,20
